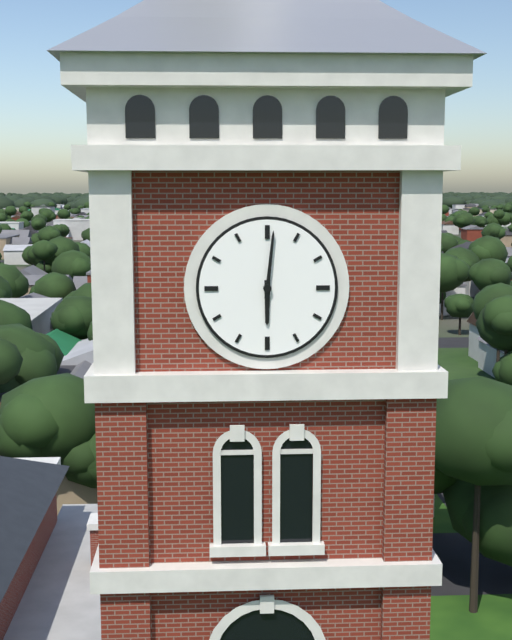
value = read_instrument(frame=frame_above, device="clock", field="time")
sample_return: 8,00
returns 6,01
